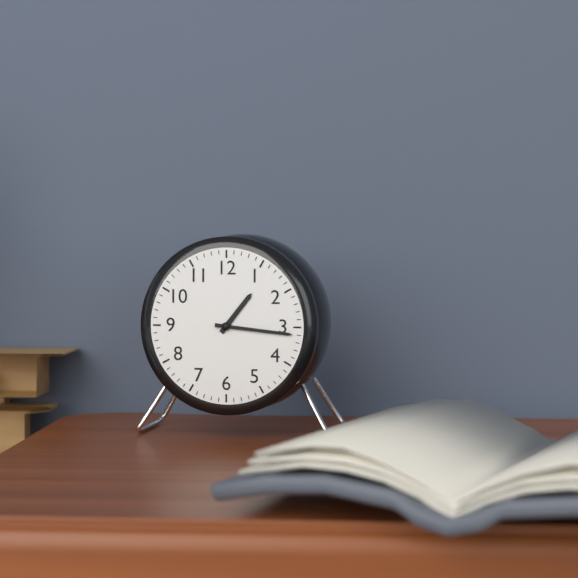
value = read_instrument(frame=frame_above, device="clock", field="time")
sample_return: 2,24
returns 1,16
